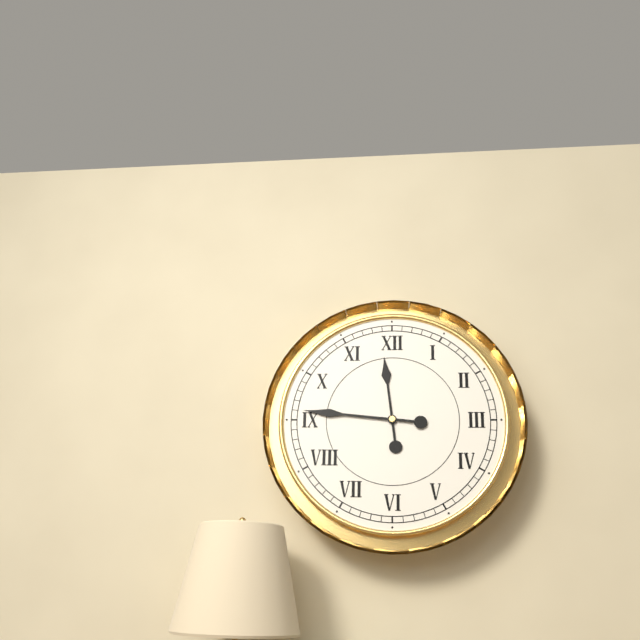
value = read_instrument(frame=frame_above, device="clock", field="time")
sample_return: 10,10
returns 11,46
